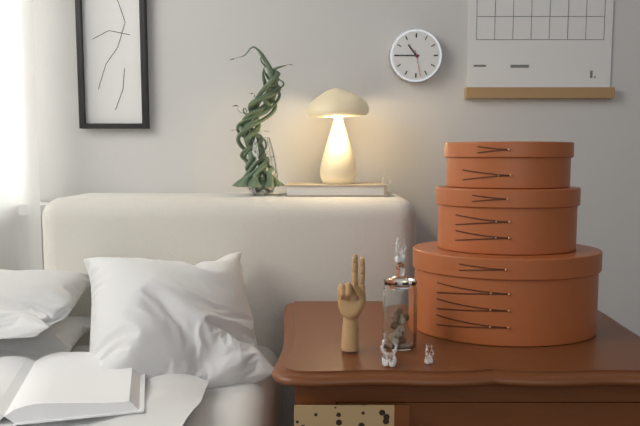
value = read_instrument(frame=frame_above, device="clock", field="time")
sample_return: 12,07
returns 10,45
